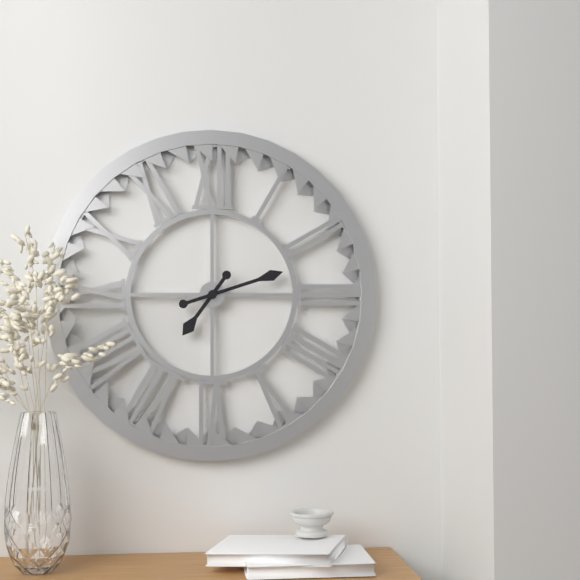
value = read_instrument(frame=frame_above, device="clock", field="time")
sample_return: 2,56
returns 7,12
